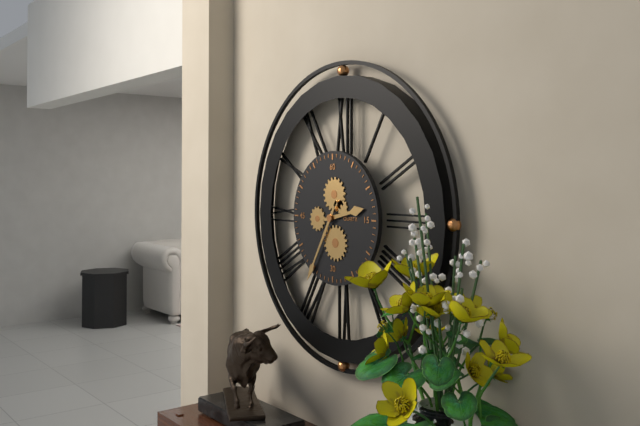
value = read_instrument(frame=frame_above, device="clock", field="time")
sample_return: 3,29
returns 2,35
